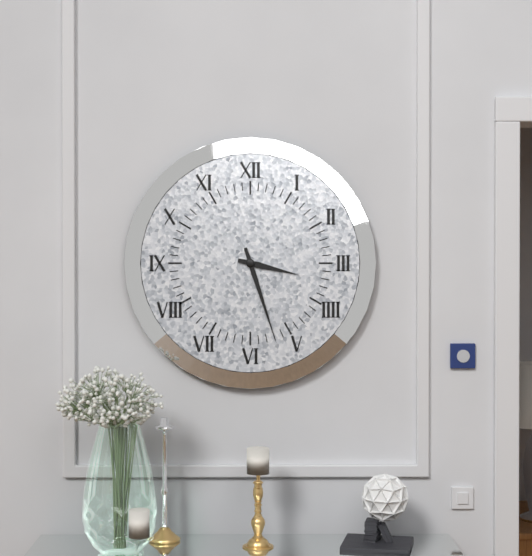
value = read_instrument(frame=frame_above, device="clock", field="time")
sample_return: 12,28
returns 3,27
